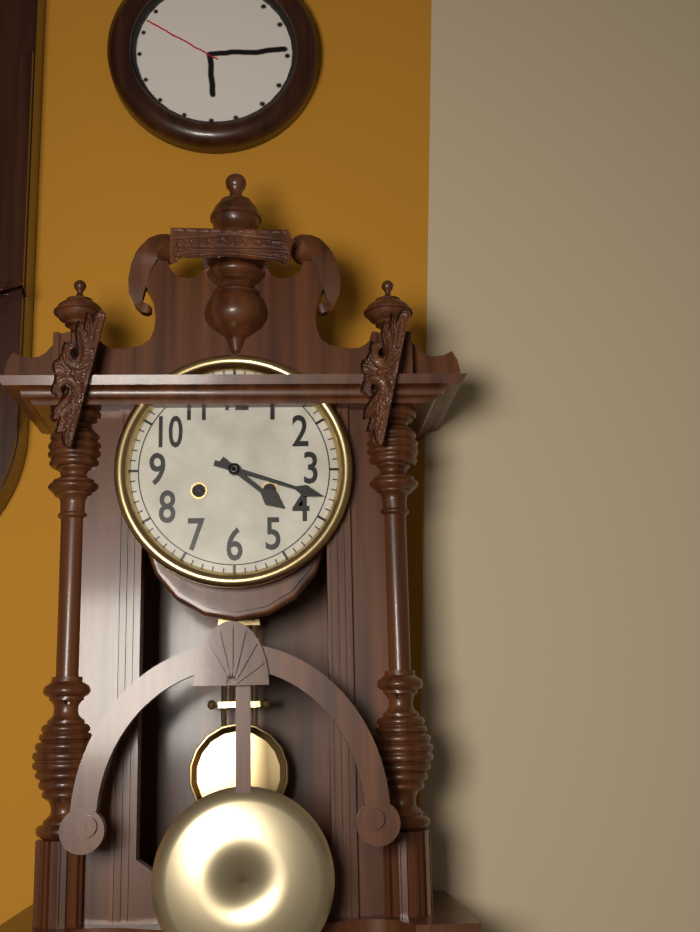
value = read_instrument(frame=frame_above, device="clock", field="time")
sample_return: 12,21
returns 4,18
